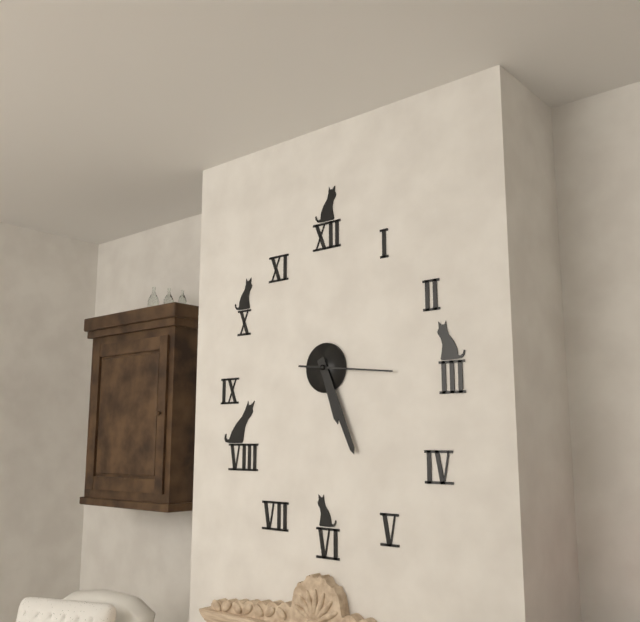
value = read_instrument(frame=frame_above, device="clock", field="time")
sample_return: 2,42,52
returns 5,26,16
